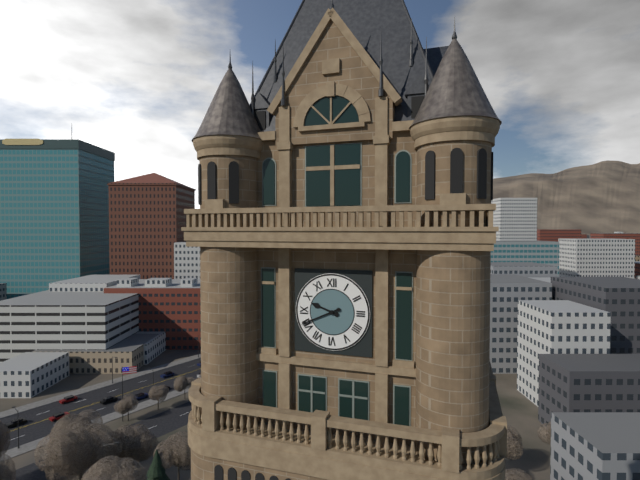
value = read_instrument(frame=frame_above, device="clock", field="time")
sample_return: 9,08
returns 9,41
